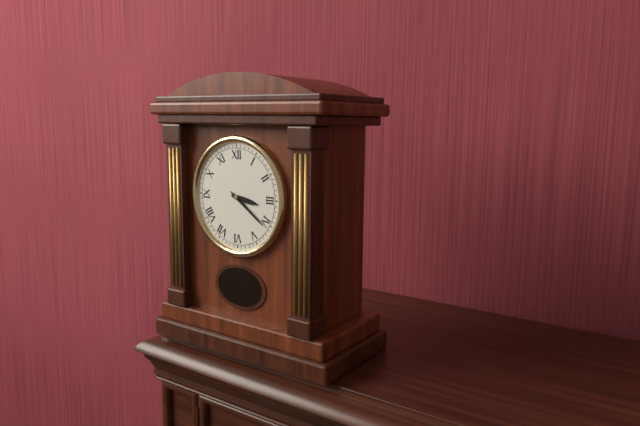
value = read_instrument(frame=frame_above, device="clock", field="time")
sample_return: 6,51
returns 3,21
